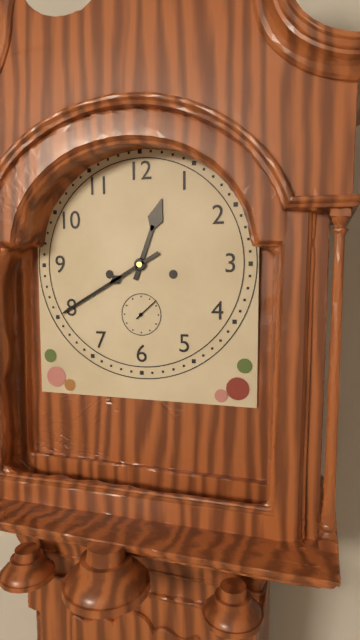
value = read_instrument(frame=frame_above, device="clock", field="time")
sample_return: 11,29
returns 12,40
